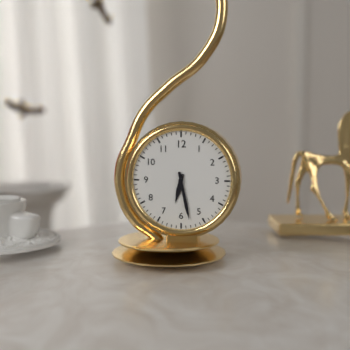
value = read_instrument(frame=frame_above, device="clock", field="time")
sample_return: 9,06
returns 6,28
